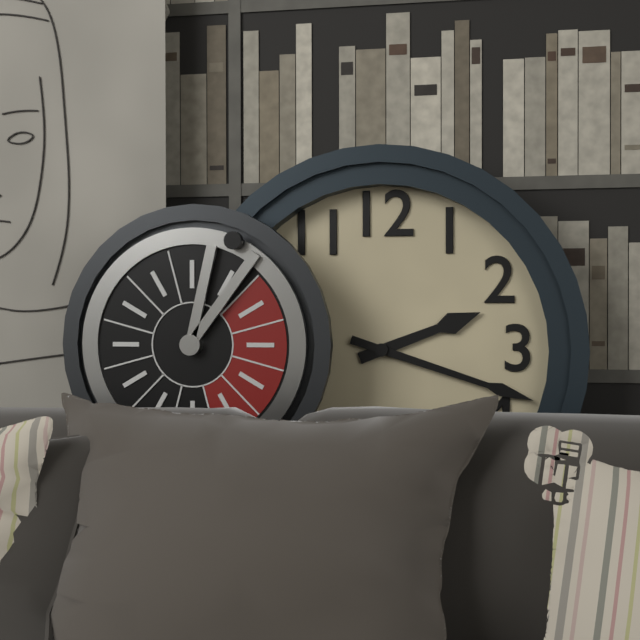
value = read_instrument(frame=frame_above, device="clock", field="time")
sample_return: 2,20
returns 2,18
